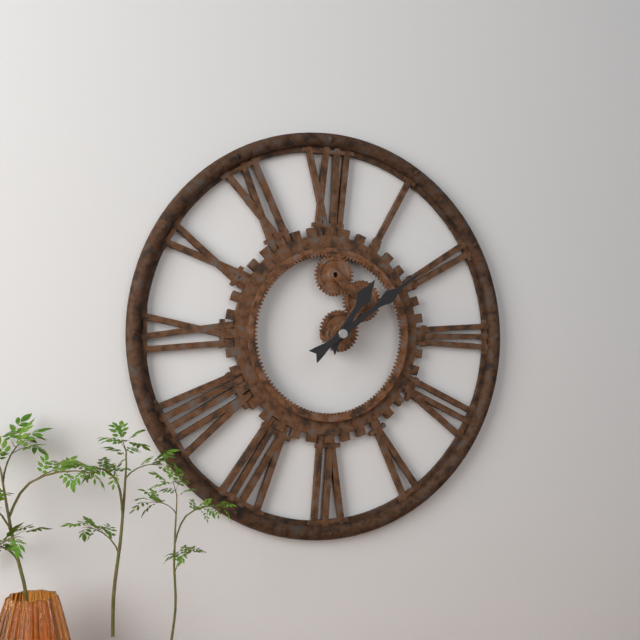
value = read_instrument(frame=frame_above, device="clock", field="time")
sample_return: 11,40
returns 1,09
